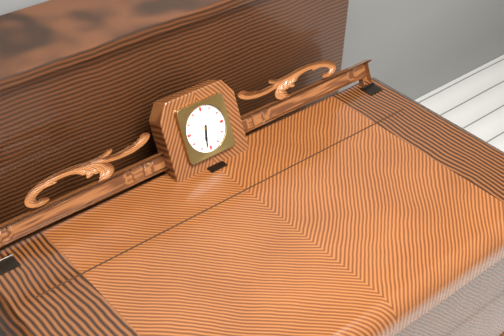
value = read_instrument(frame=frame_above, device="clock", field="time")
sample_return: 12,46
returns 6,32
